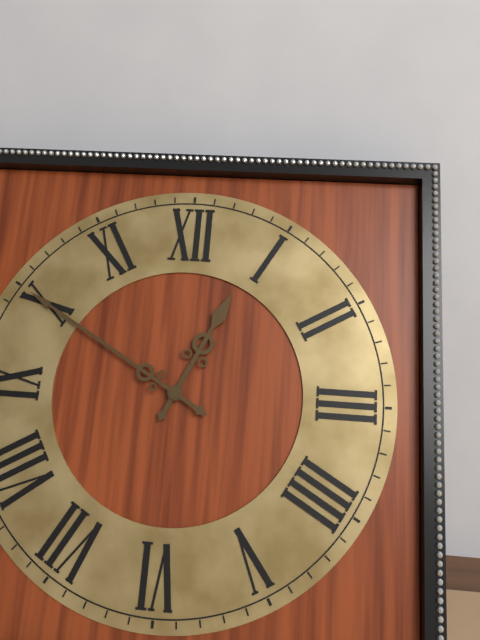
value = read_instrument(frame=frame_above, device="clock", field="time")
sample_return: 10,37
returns 12,50
